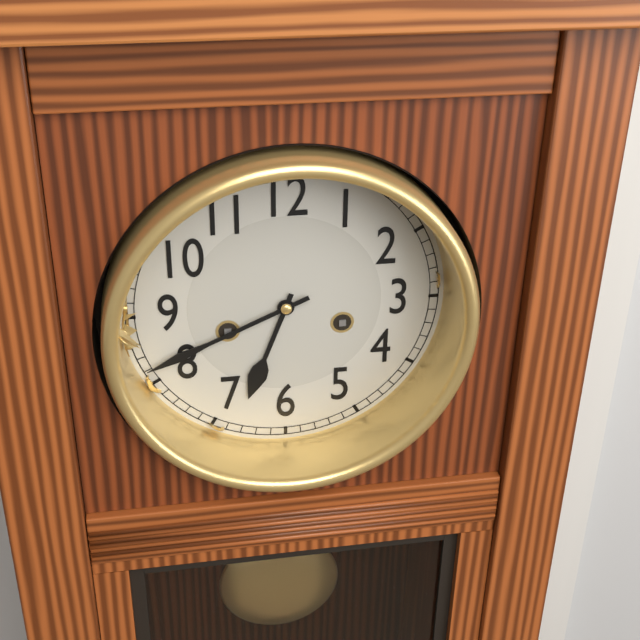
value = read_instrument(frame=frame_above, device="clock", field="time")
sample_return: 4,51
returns 6,41
